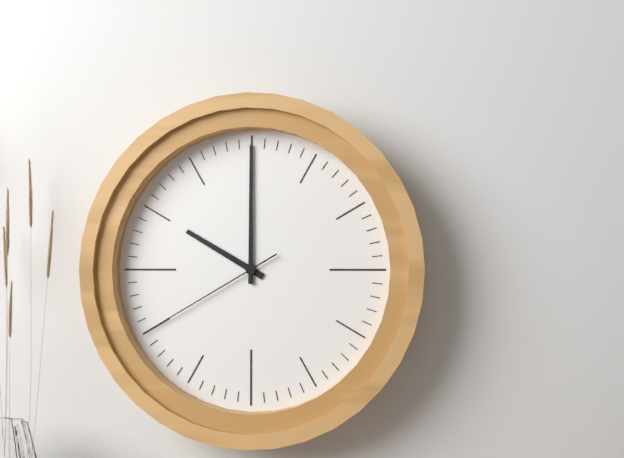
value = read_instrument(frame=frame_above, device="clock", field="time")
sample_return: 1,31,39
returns 10,00,40
